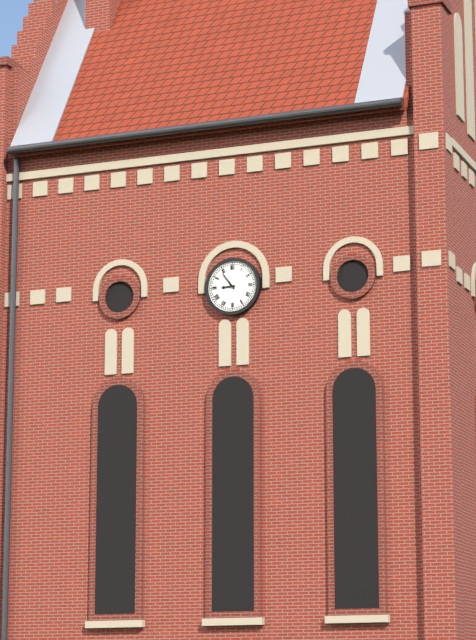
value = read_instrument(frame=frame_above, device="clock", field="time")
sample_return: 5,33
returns 8,54
